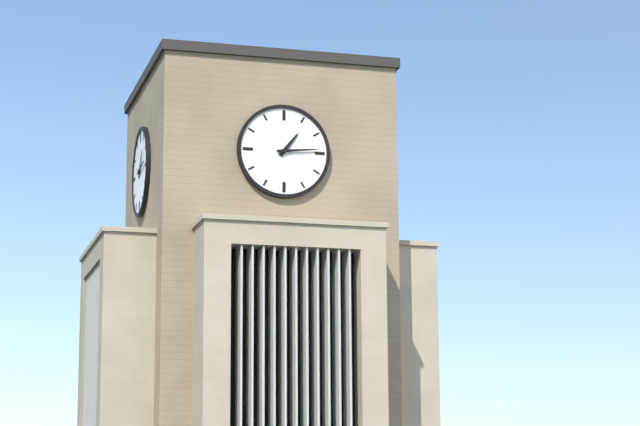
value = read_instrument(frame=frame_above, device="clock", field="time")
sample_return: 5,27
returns 1,14
